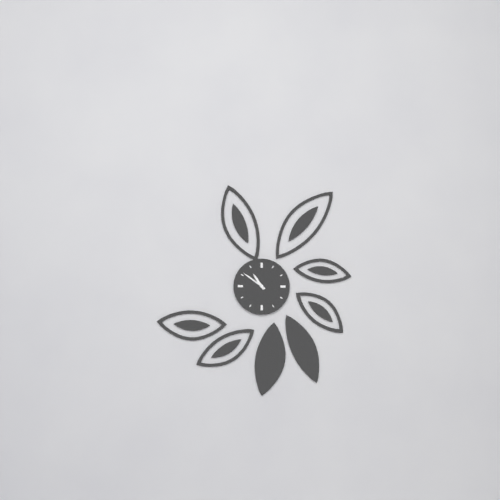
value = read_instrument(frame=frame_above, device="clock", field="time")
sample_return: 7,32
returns 10,51
